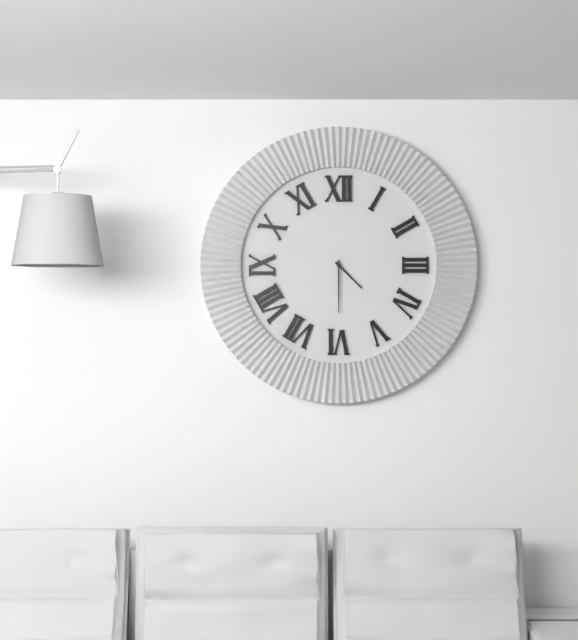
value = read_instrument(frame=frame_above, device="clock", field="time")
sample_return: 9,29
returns 4,30
